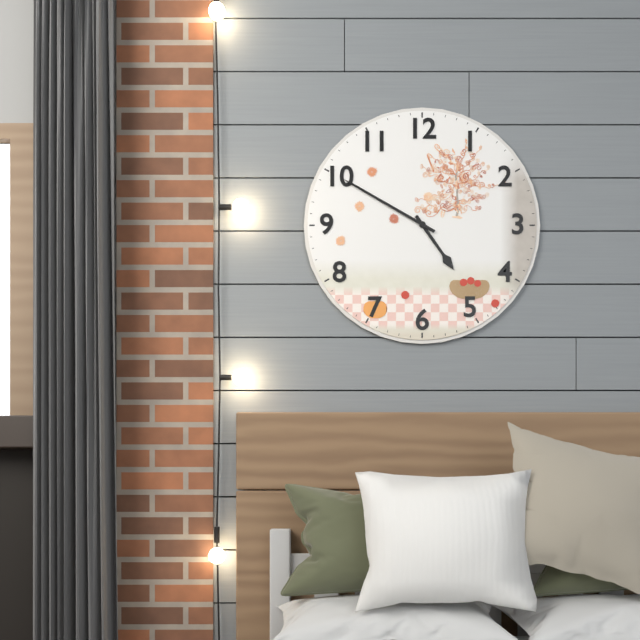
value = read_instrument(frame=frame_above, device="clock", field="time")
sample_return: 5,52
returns 4,50
